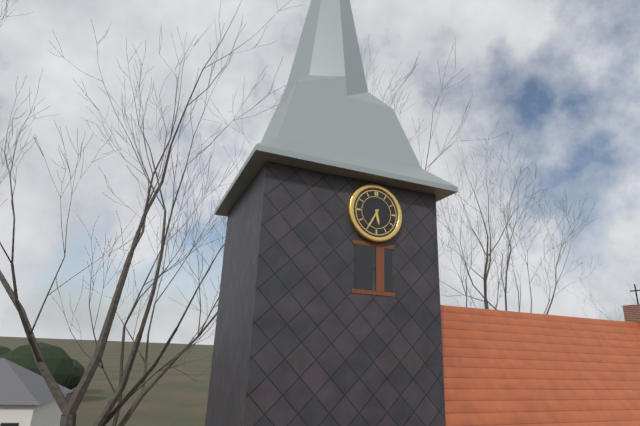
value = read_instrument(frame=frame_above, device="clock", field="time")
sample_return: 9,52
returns 5,35
